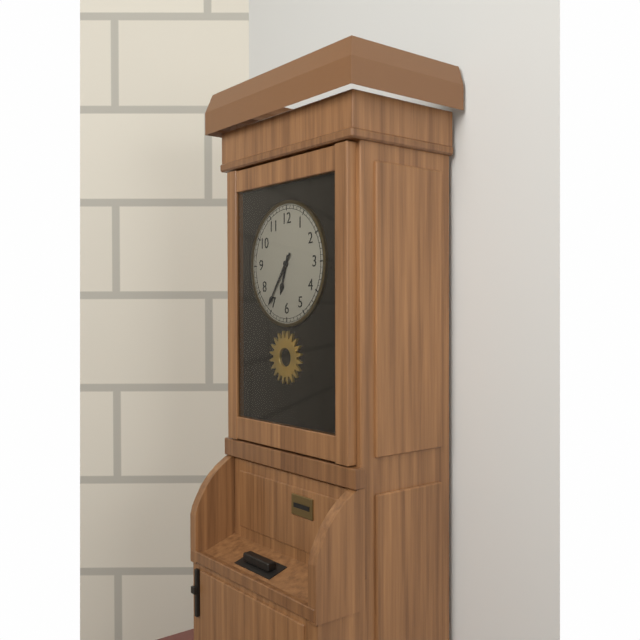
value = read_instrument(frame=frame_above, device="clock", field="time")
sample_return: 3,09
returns 6,36
